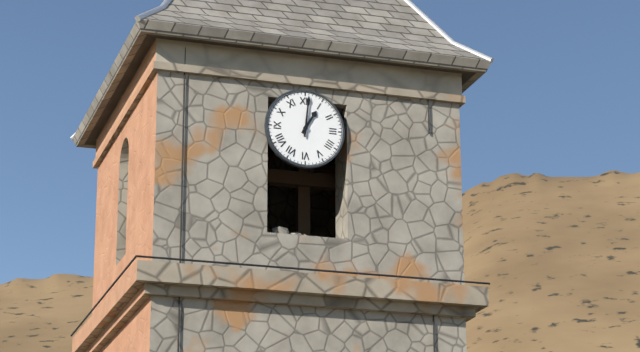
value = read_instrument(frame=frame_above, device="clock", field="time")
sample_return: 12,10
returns 1,01
